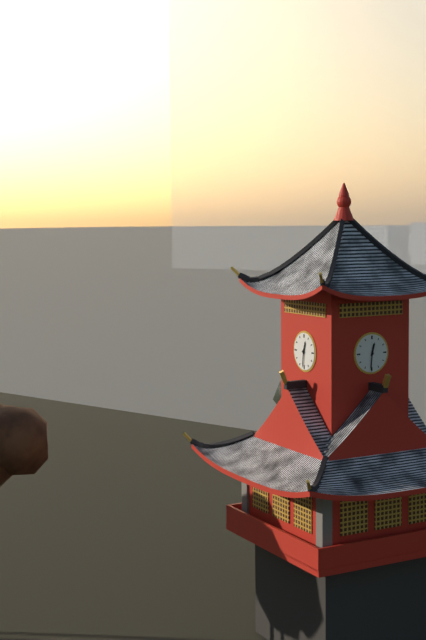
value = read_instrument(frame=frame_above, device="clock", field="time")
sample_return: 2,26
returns 12,31
